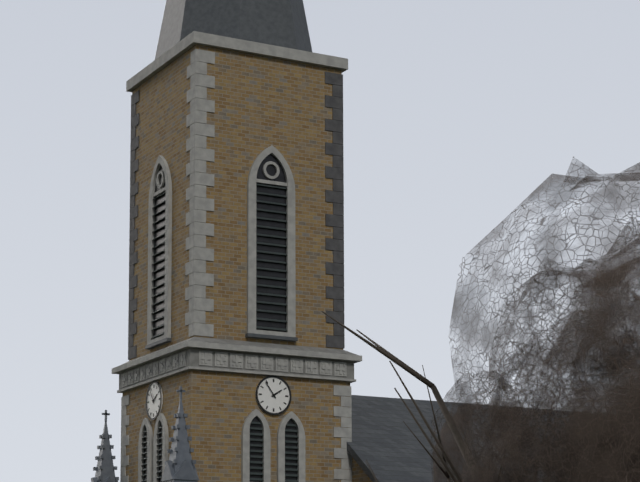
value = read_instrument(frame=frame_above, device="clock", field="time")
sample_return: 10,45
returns 1,54
